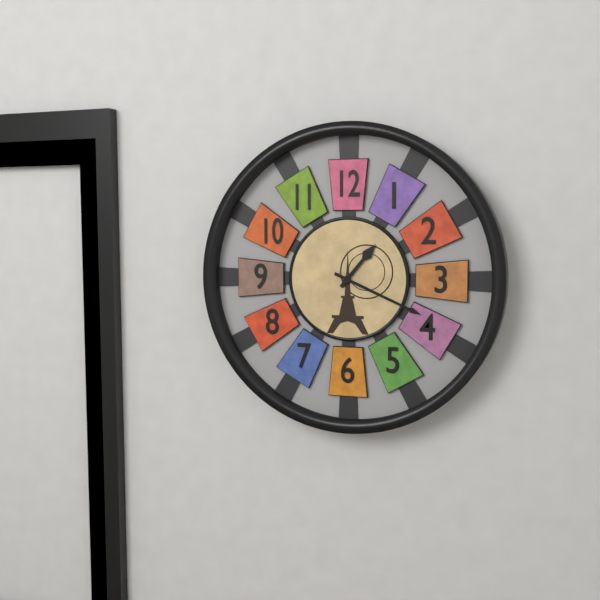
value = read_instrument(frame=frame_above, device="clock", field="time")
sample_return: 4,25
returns 1,19
